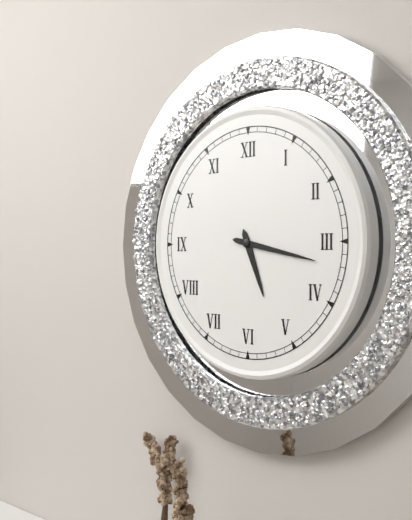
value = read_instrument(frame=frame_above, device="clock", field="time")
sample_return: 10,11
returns 5,17
